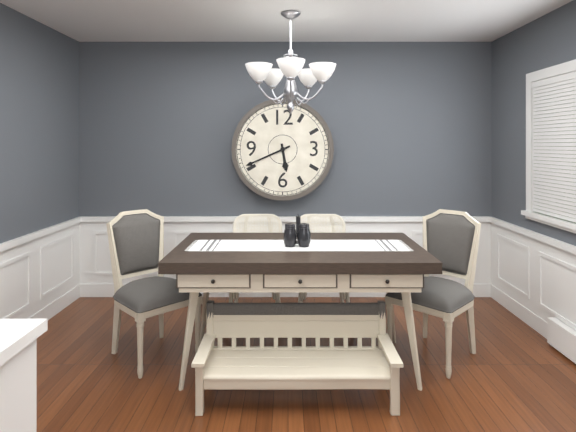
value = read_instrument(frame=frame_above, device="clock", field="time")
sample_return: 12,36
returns 5,41
